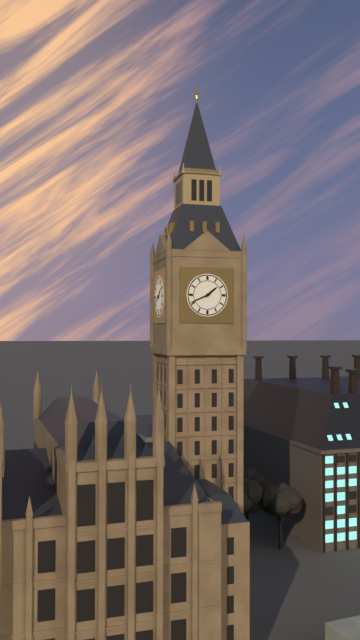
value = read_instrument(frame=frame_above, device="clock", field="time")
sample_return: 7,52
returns 1,41
